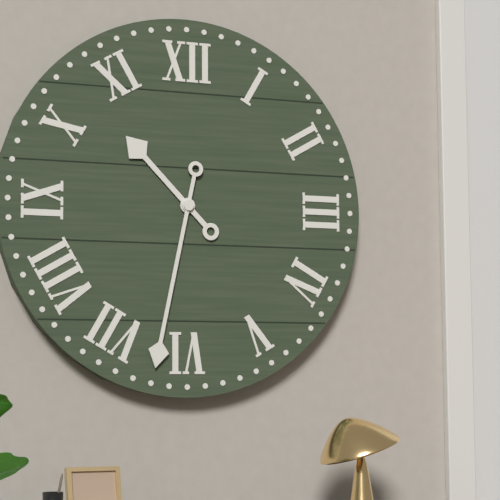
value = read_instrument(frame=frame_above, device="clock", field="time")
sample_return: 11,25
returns 10,32
